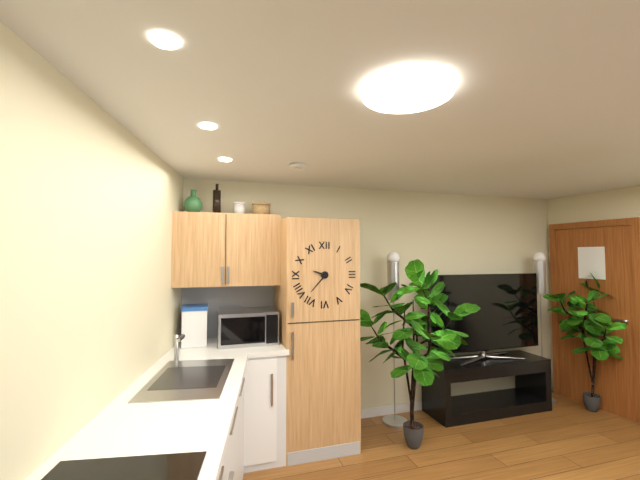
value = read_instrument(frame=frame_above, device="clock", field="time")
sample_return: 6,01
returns 9,37
